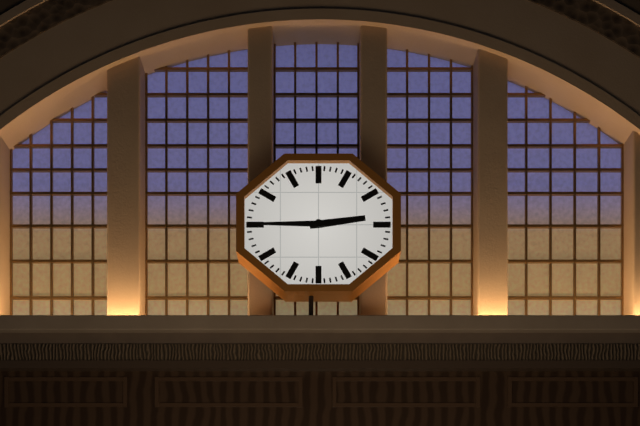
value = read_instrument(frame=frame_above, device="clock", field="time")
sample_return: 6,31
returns 2,45
